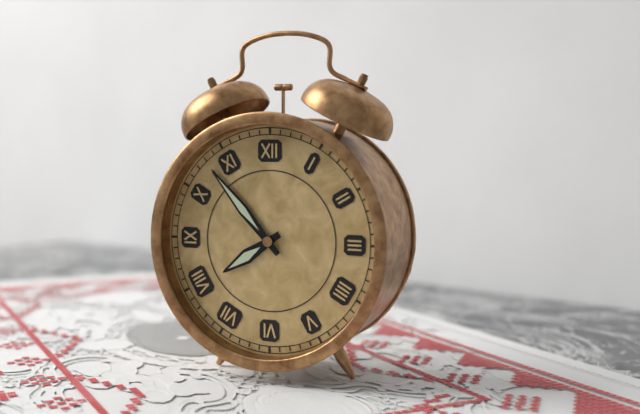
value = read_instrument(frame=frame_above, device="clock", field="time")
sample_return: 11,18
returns 7,53
